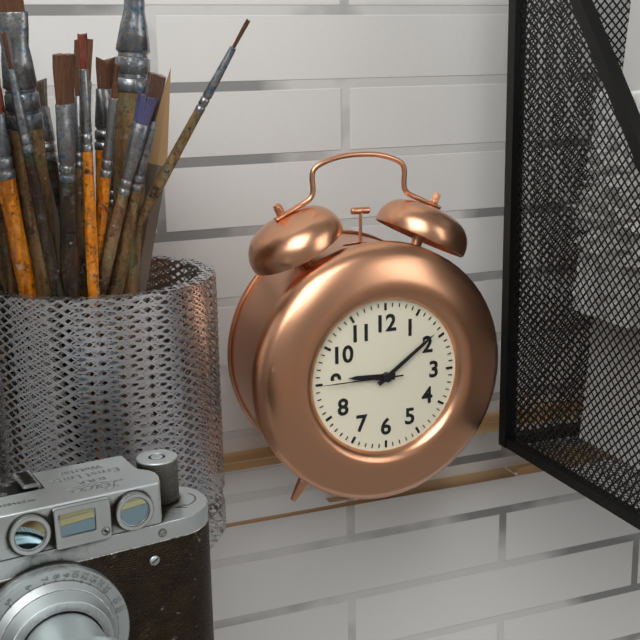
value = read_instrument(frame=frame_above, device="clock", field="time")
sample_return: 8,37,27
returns 9,09,45
